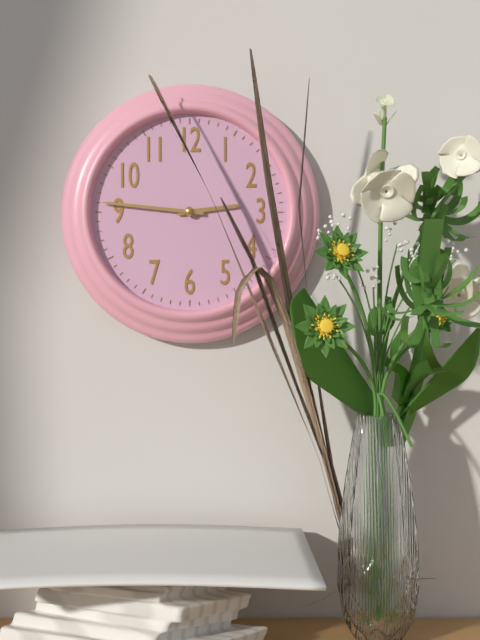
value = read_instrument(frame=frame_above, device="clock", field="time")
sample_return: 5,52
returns 2,46
